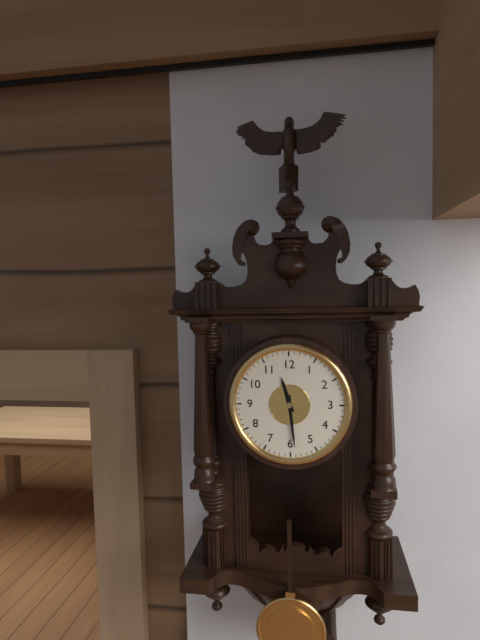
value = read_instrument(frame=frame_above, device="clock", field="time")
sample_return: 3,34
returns 11,29
